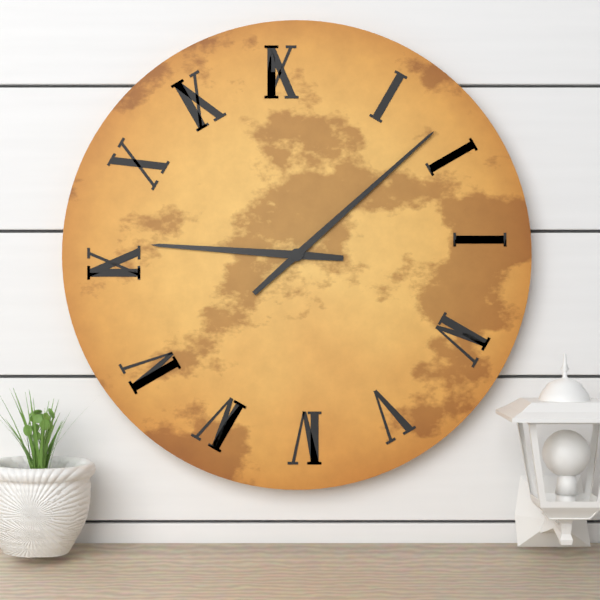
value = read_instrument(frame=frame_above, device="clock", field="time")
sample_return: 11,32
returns 9,08
